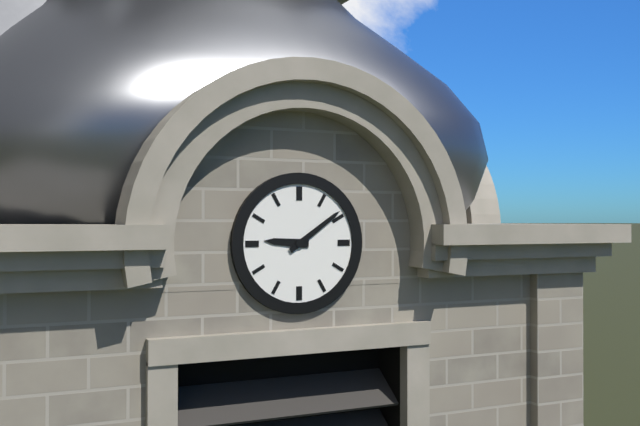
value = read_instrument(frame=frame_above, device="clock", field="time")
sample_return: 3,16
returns 9,09
